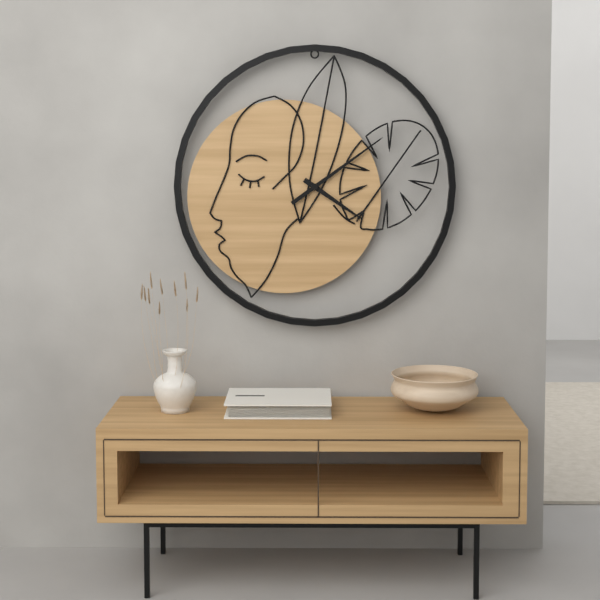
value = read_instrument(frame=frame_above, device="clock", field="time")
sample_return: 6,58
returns 4,09
